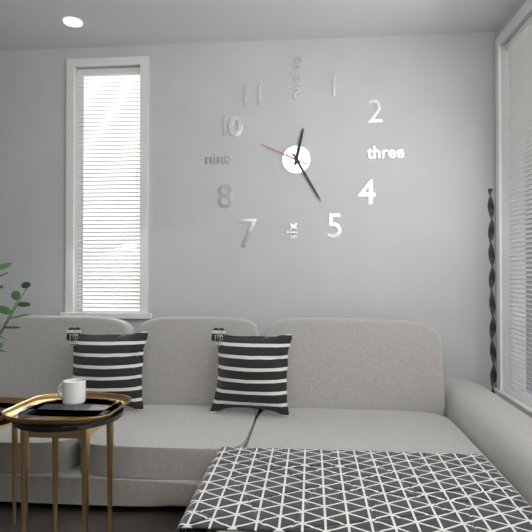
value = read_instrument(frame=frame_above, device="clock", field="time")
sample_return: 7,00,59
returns 12,25,49
